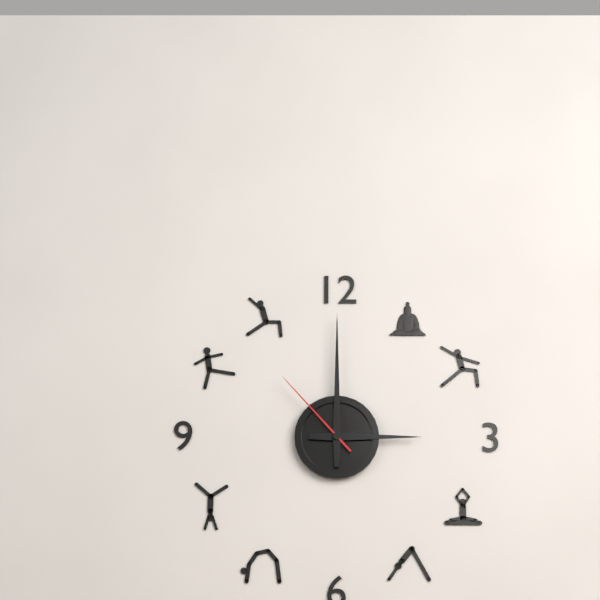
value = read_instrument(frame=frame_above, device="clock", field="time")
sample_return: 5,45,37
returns 3,00,53
